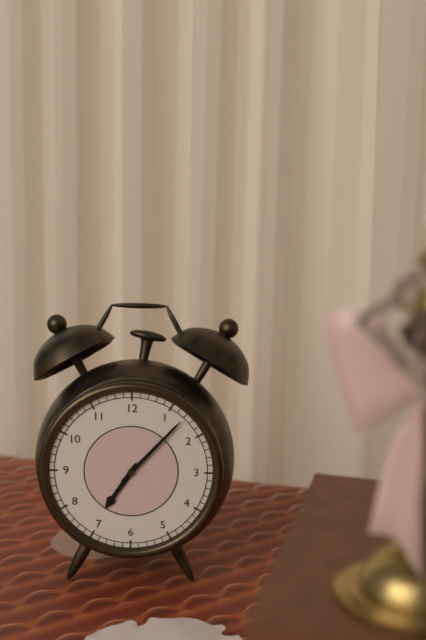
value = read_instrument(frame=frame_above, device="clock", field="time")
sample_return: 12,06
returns 7,07
